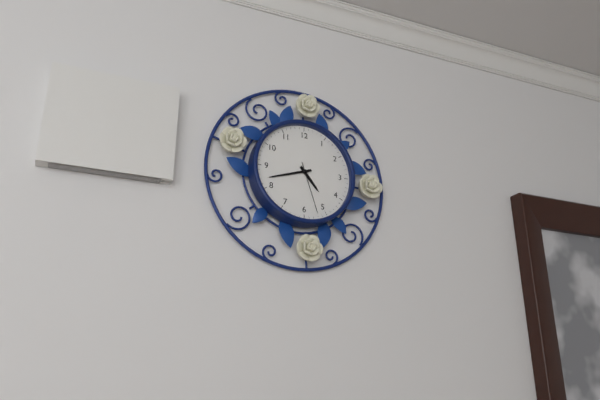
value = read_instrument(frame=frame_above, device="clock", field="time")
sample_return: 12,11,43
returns 4,42,27
